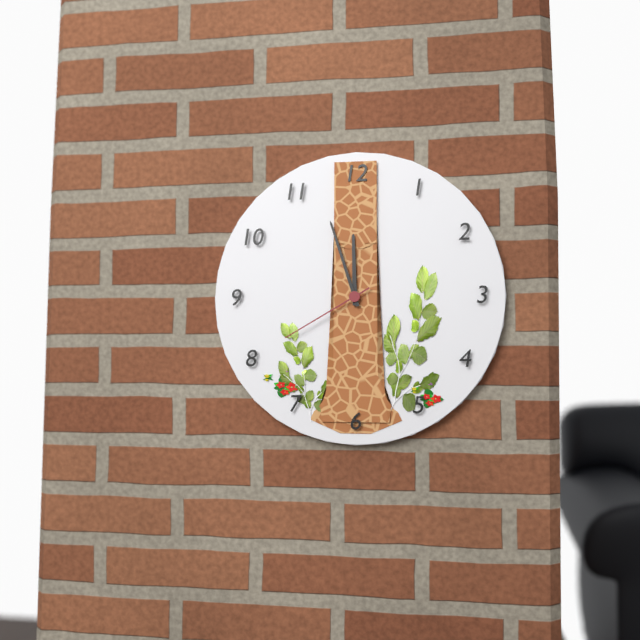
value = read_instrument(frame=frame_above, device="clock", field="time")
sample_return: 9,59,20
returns 11,57,40
